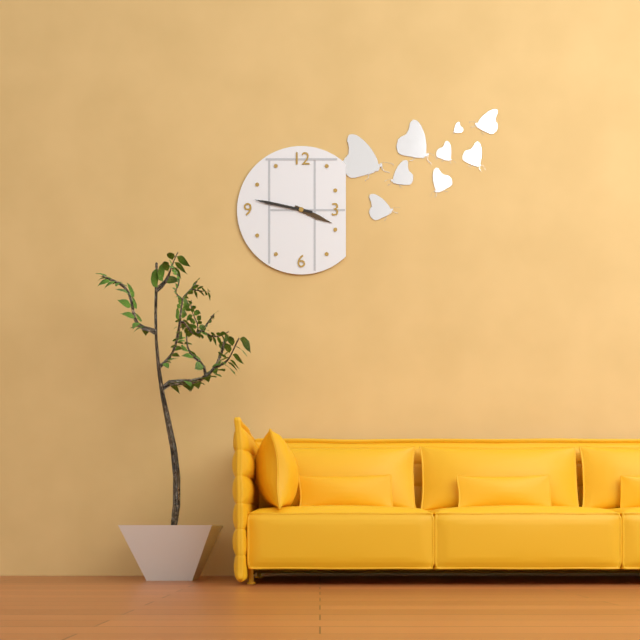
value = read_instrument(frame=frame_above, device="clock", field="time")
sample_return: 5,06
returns 3,47
